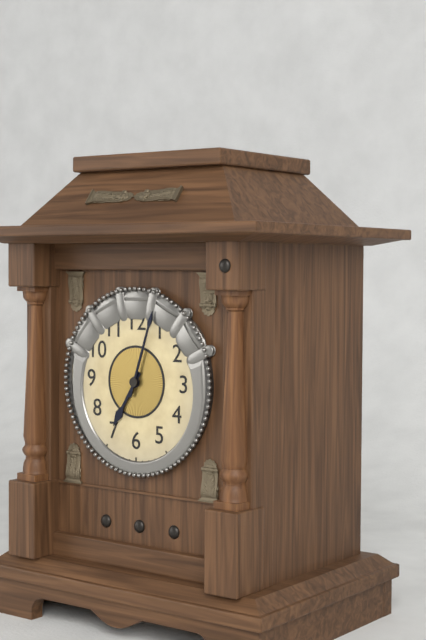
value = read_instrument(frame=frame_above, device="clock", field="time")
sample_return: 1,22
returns 7,03
